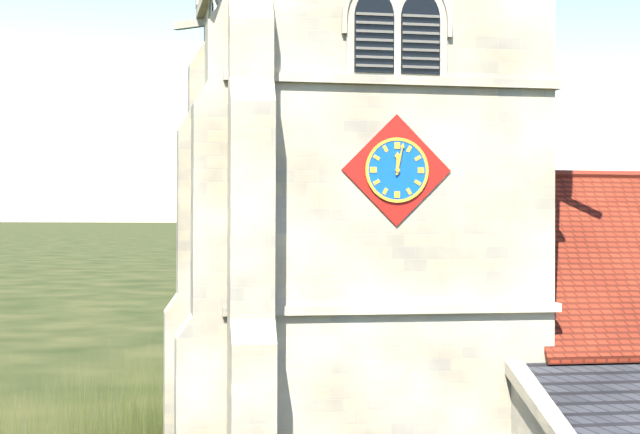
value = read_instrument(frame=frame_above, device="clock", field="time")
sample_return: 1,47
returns 12,02
